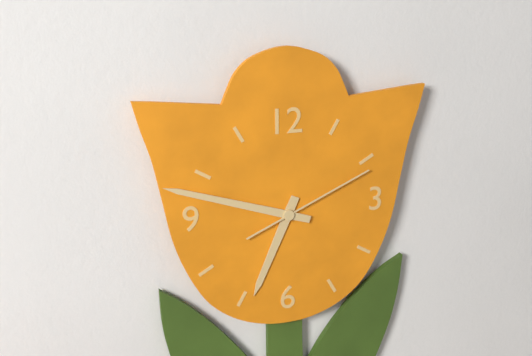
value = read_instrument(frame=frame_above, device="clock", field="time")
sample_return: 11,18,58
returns 6,48,11
